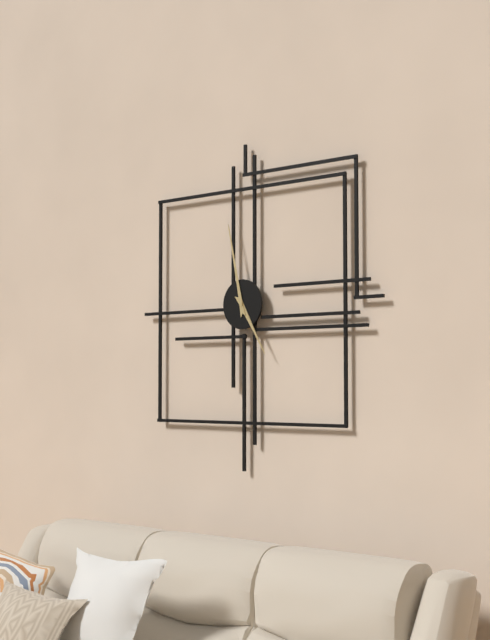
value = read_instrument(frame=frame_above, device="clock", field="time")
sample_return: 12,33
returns 4,58
